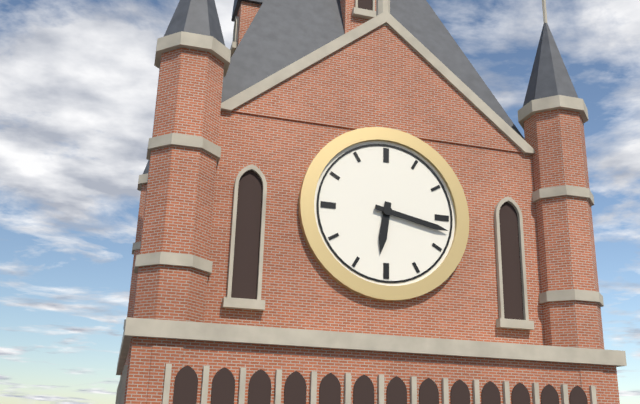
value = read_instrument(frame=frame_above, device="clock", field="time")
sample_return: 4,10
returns 6,17
